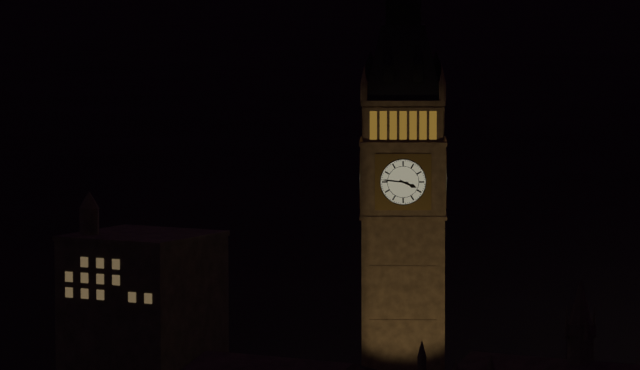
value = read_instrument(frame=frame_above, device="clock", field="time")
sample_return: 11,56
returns 3,46
